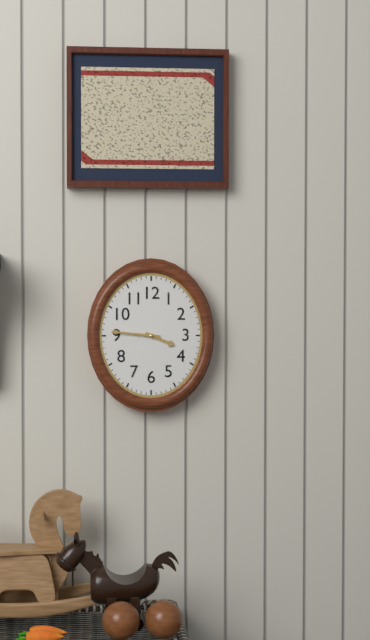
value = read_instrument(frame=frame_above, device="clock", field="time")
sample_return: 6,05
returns 3,46
